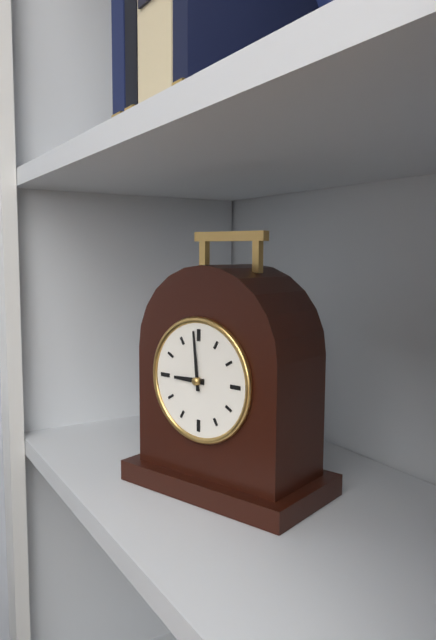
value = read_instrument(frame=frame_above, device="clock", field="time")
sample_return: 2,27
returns 8,59
